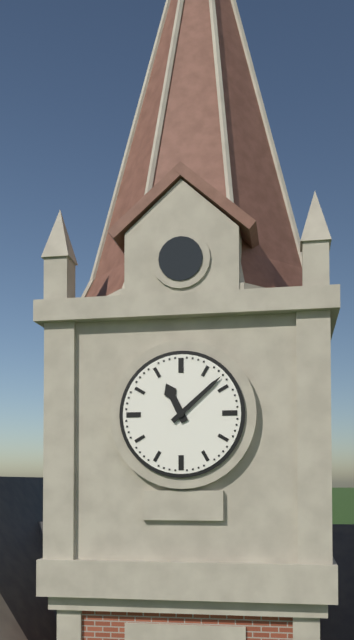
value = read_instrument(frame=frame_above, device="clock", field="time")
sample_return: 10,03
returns 11,08
